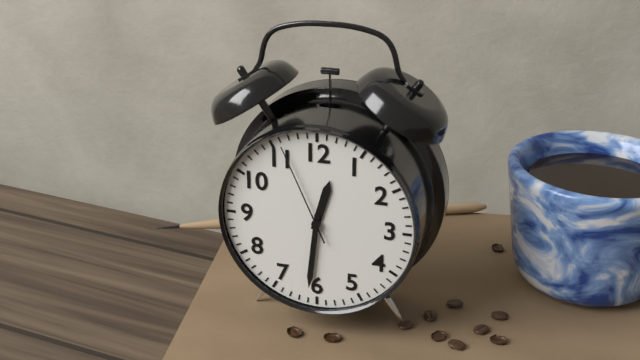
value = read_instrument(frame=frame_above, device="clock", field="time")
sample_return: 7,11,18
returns 12,31,56
